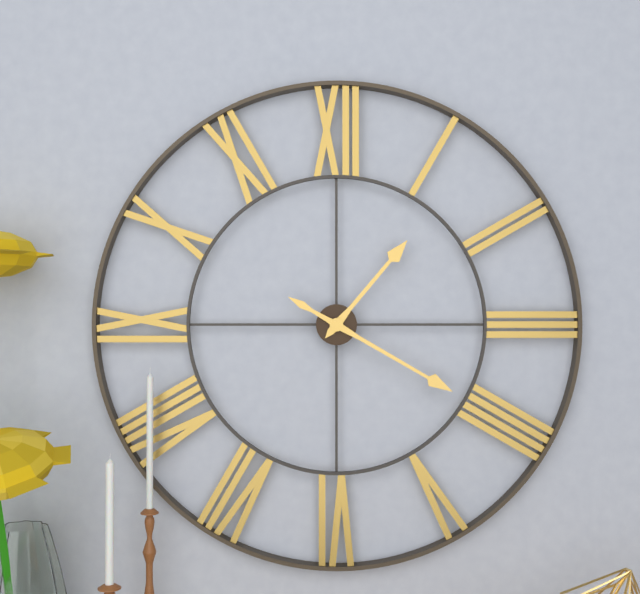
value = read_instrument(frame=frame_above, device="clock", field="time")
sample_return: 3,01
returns 1,20
